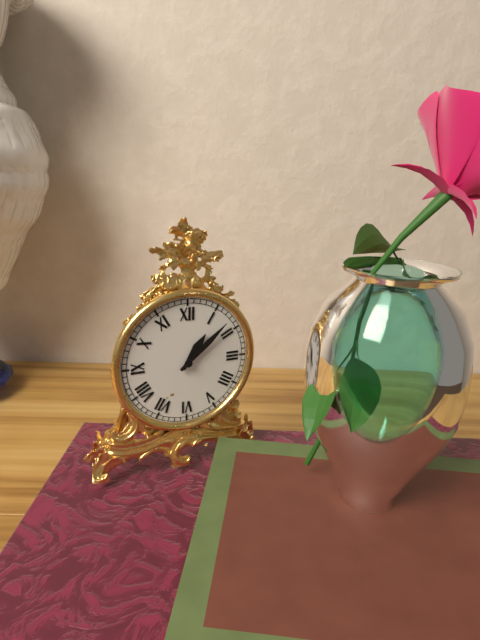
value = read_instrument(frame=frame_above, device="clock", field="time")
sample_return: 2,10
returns 1,08
